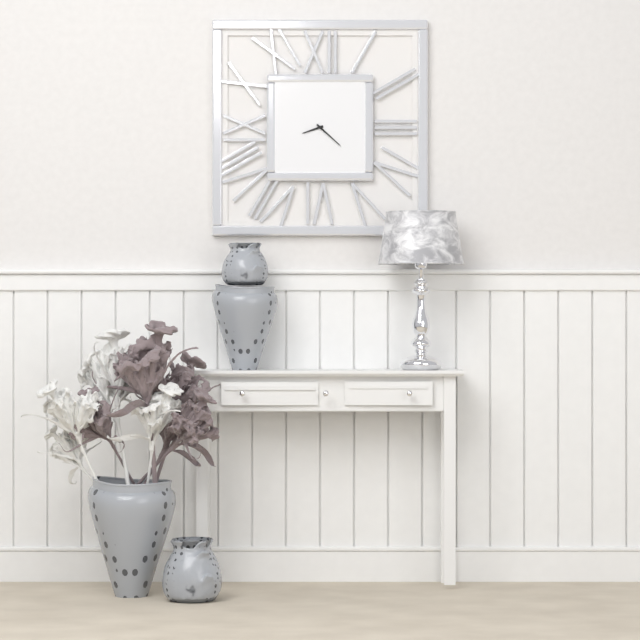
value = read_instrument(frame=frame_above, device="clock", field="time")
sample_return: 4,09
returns 8,22
